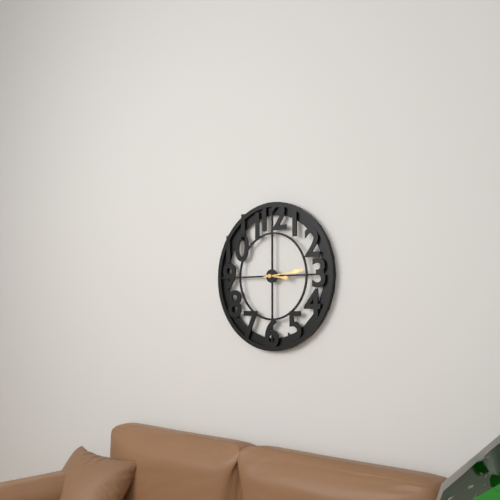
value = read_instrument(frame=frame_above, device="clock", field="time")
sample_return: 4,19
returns 3,14
